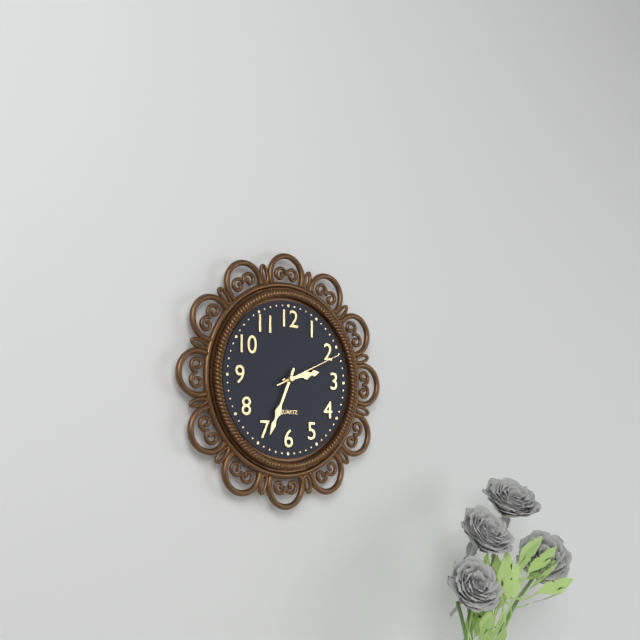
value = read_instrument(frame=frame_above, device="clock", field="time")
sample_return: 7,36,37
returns 2,34,11
